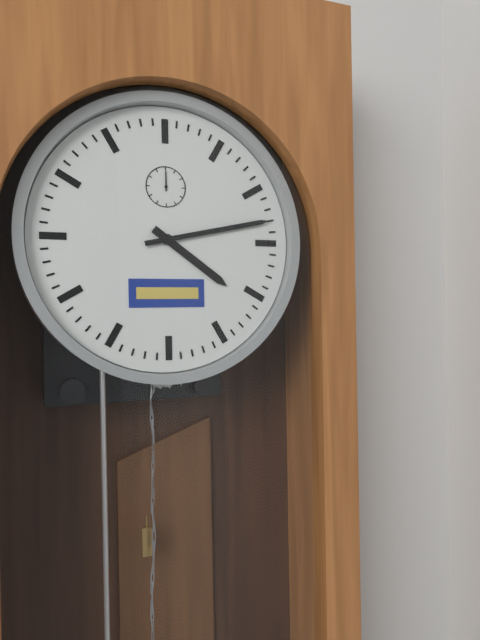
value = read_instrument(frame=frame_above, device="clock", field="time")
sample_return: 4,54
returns 4,13
